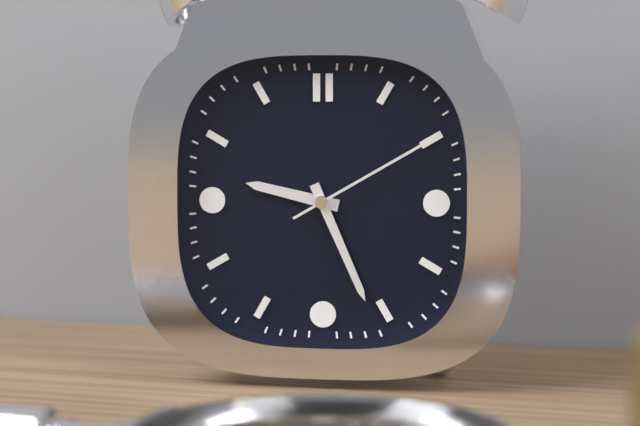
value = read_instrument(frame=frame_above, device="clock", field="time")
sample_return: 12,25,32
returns 9,26,10
